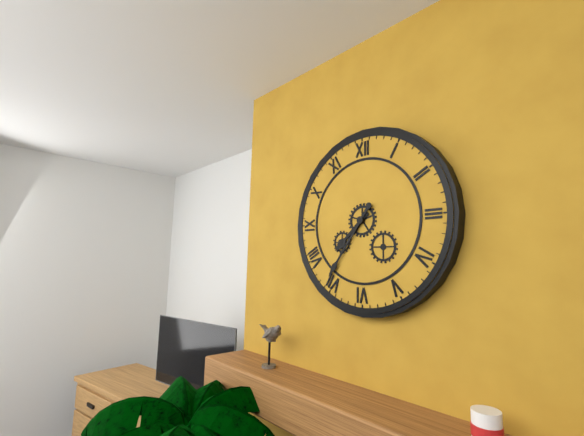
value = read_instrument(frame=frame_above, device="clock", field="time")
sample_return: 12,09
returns 7,36
